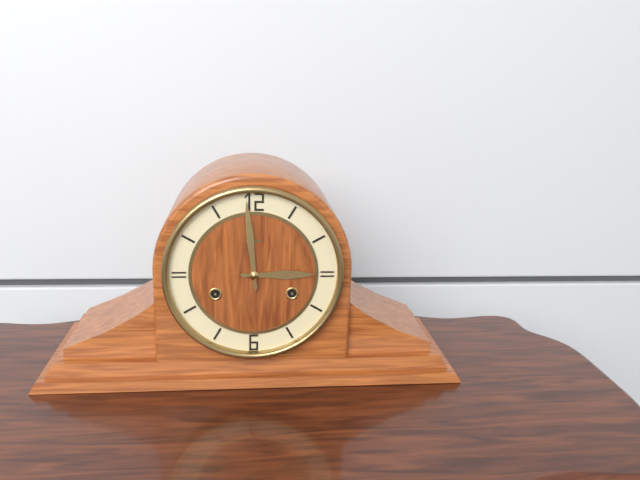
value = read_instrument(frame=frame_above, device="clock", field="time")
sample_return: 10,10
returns 2,59
